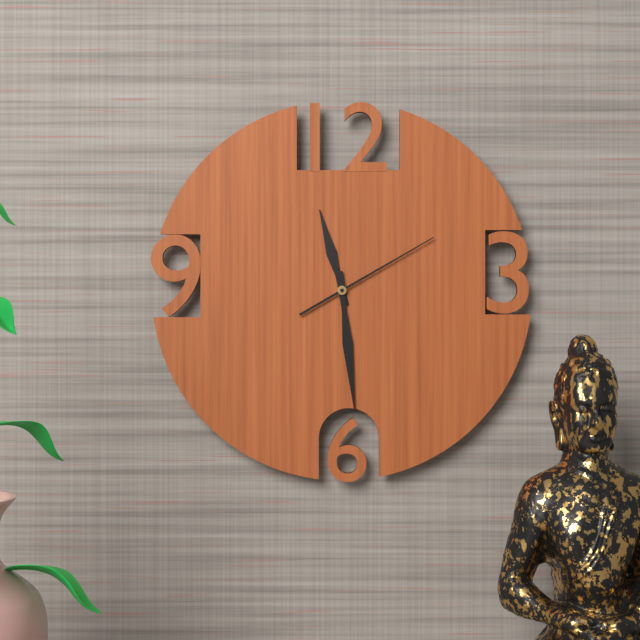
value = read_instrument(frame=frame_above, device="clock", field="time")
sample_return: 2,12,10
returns 11,29,10
